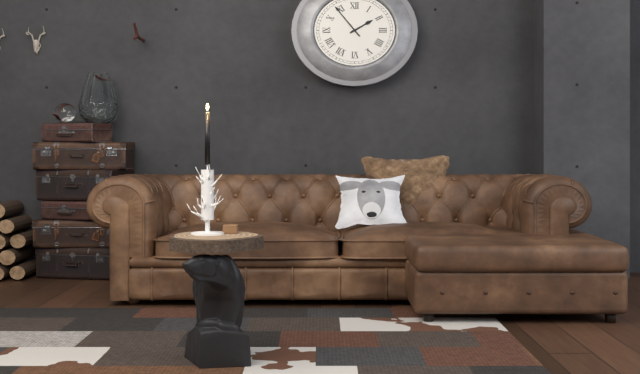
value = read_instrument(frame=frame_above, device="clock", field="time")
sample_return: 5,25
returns 1,54
